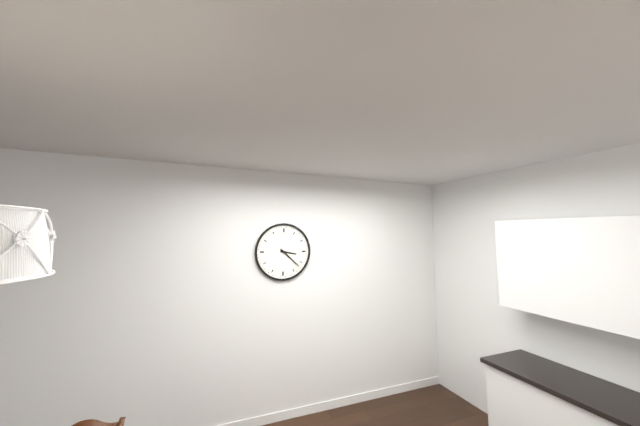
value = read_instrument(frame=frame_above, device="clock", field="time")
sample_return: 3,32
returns 3,22
